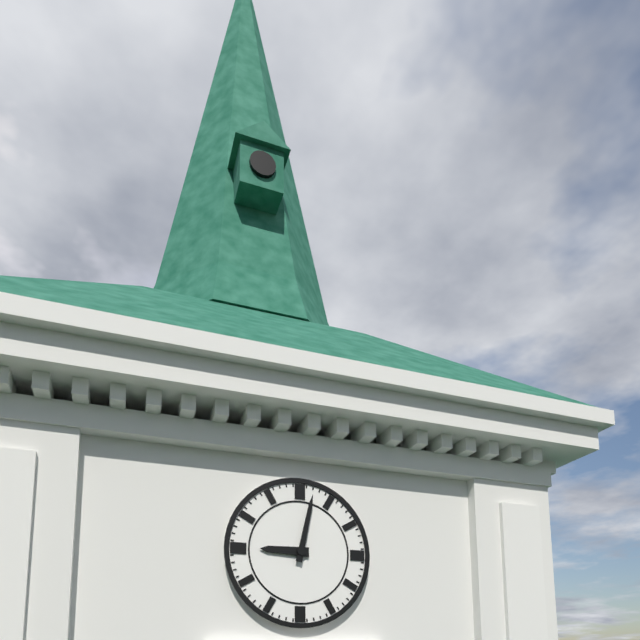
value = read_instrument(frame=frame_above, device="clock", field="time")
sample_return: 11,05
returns 9,02
